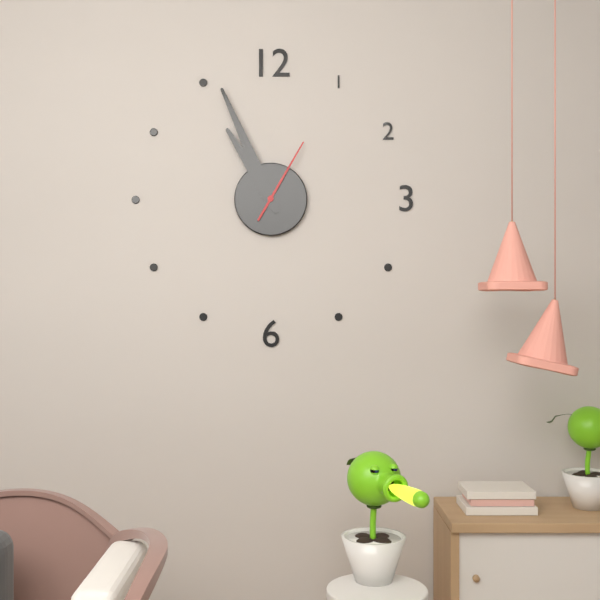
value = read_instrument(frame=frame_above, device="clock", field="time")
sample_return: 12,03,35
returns 10,56,05
